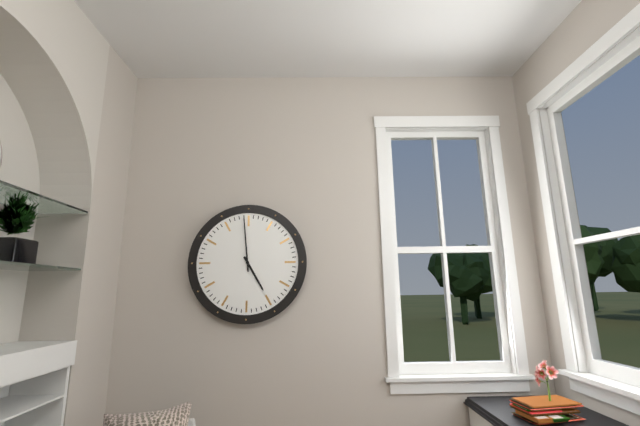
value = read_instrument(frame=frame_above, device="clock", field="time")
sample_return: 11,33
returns 4,59
